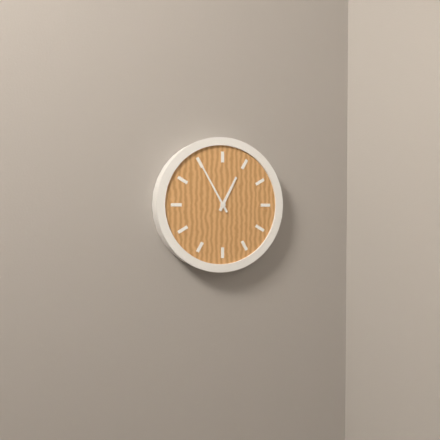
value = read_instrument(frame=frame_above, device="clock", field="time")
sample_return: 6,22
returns 12,55
